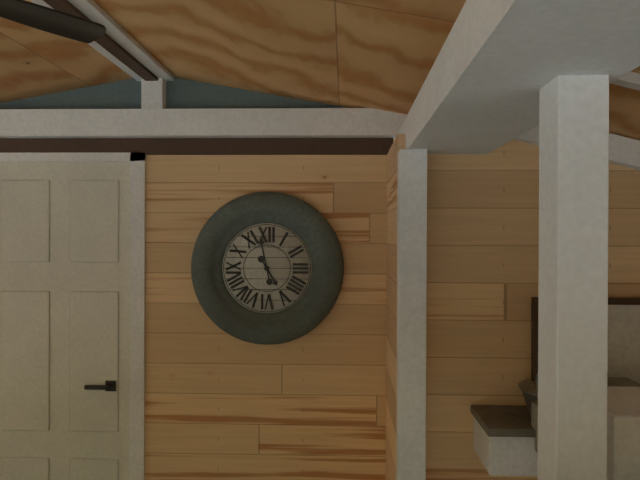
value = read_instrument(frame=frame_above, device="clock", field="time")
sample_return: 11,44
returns 4,58
